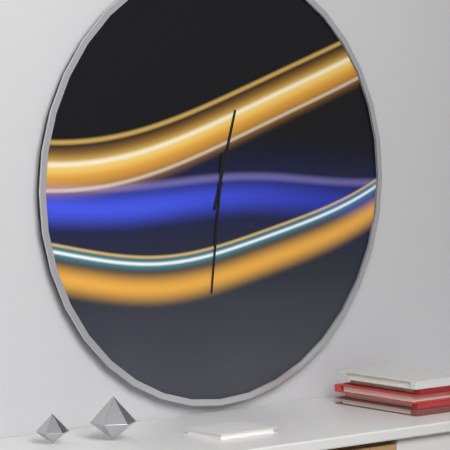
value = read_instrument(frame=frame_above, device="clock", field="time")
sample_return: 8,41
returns 12,31
